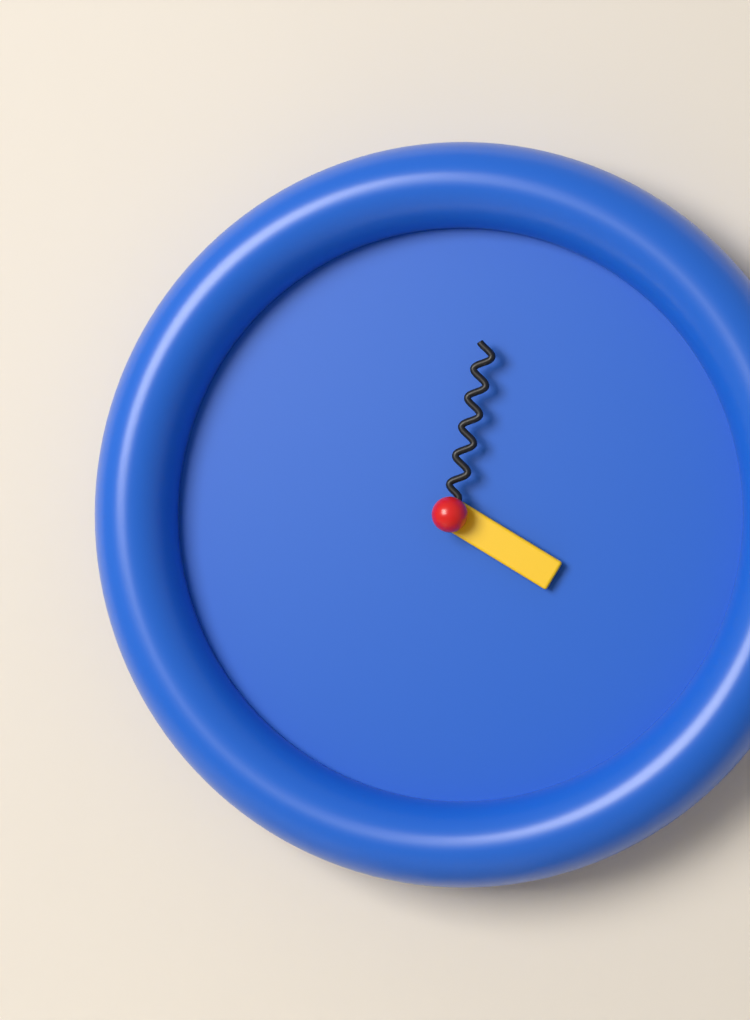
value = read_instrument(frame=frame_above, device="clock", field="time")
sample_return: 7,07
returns 4,02
